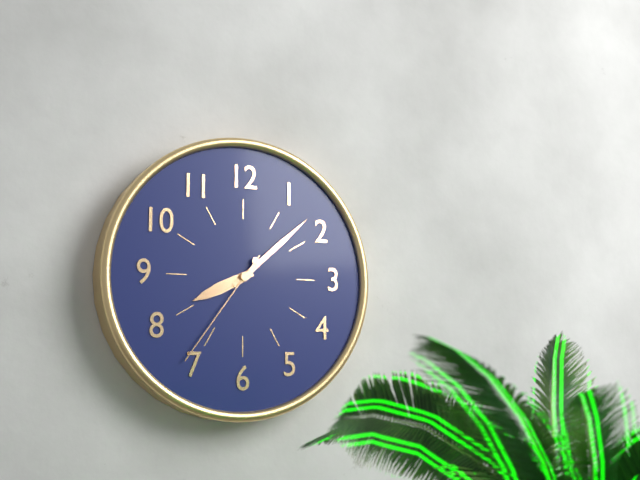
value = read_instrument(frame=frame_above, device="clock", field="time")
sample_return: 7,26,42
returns 8,08,36
